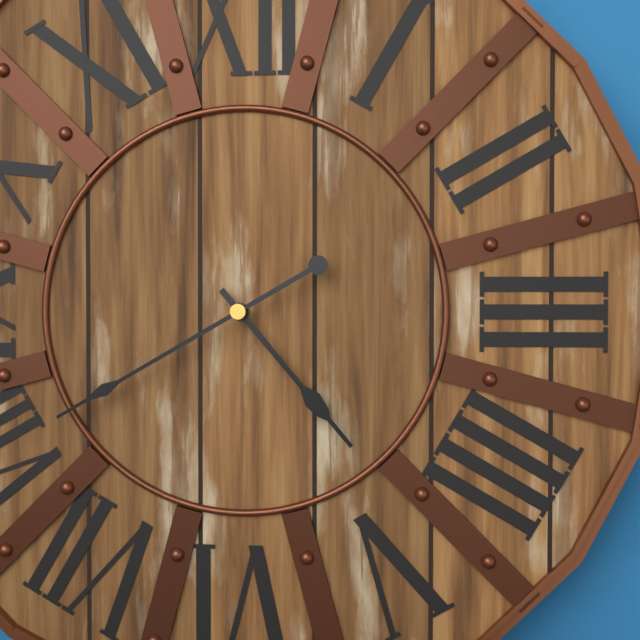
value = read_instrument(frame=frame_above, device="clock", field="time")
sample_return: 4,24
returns 4,40
